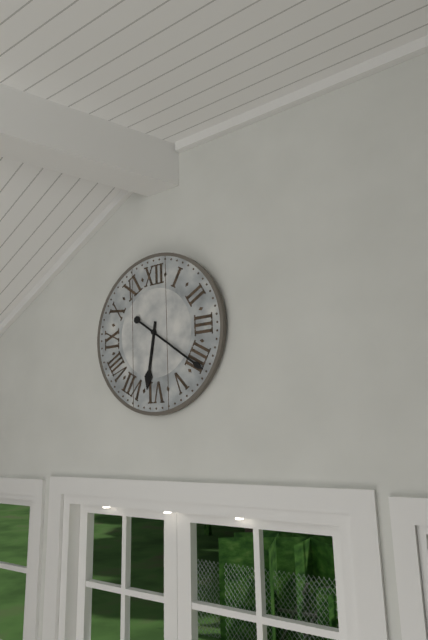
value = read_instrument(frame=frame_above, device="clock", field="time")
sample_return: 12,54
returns 6,21
